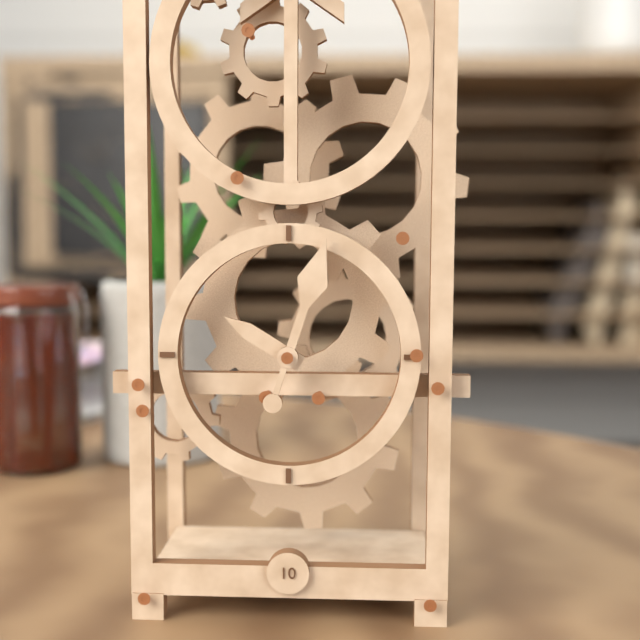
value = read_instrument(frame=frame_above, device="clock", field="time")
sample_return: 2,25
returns 10,03
